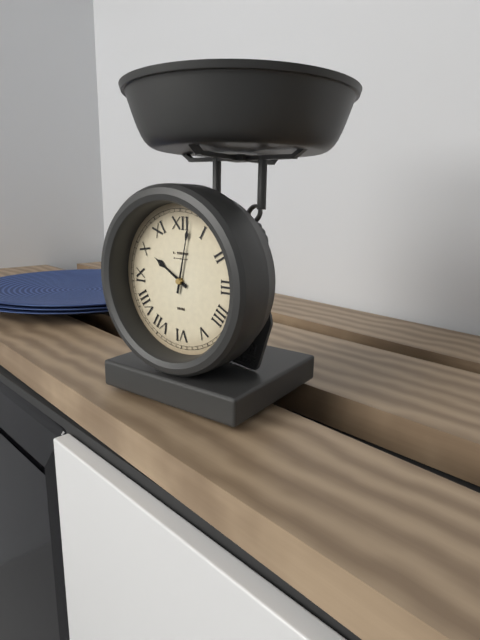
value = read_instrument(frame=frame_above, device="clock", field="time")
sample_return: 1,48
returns 10,02
